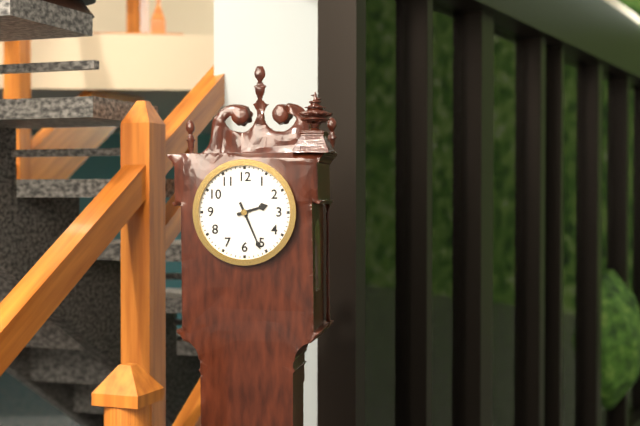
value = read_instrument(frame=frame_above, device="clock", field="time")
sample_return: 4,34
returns 2,26
